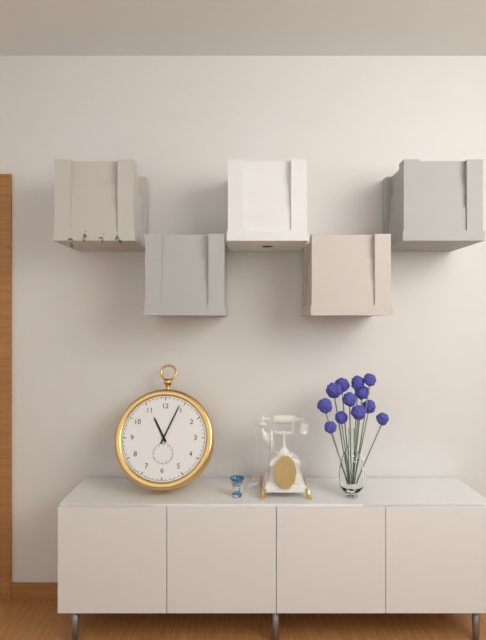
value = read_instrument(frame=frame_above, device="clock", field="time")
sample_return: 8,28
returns 11,04
